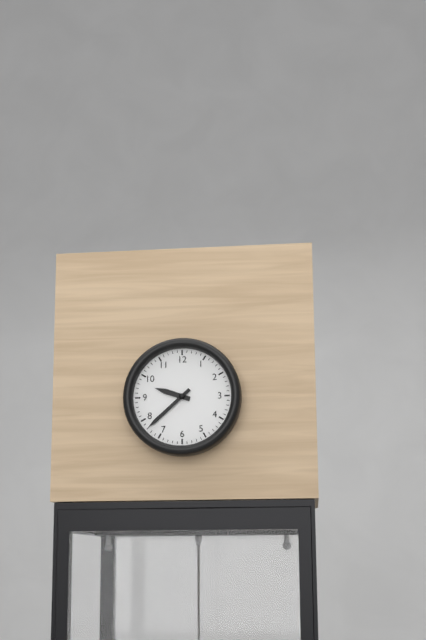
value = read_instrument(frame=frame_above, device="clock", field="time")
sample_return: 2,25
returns 9,38
